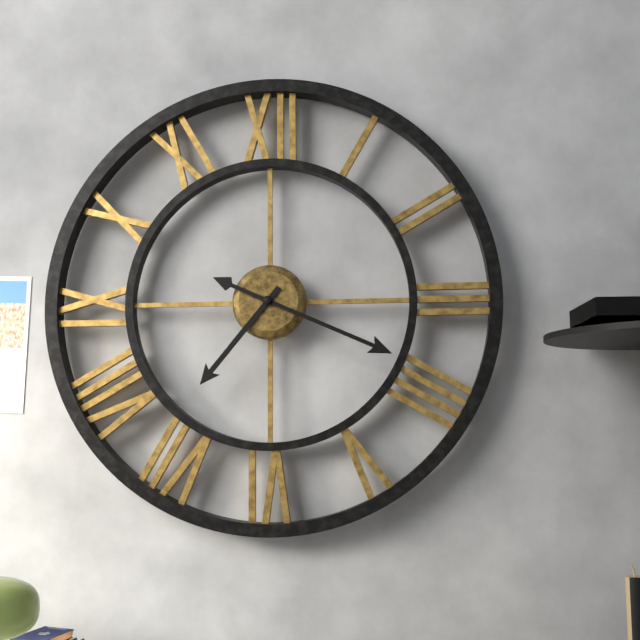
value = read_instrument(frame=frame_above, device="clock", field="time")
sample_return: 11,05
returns 7,19
